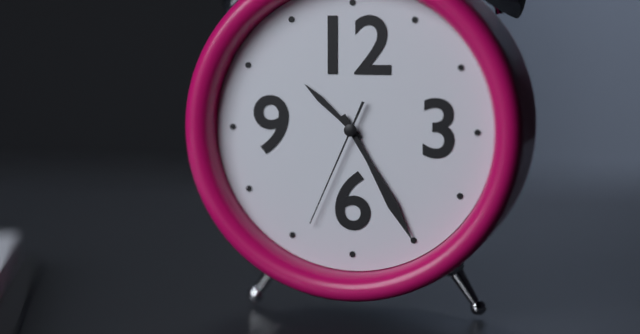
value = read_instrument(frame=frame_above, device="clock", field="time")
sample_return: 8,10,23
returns 10,25,34
